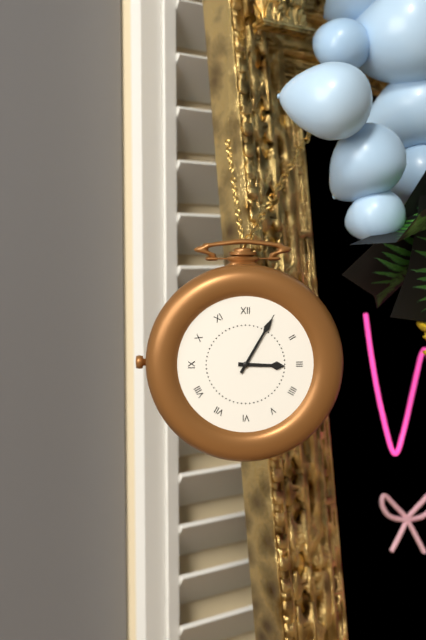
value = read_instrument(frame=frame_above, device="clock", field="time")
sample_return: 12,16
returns 3,05
